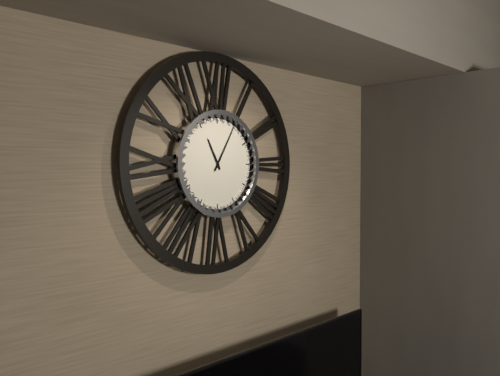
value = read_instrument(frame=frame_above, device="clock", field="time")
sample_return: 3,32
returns 11,05
